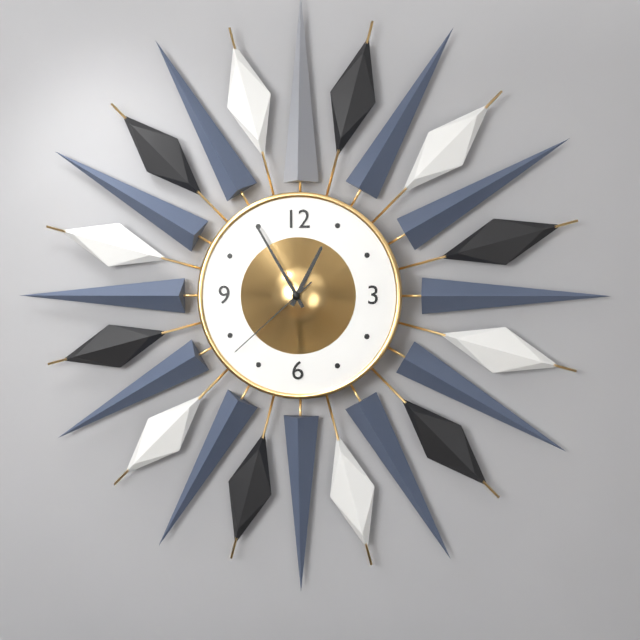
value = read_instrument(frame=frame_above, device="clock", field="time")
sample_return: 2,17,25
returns 12,55,38
